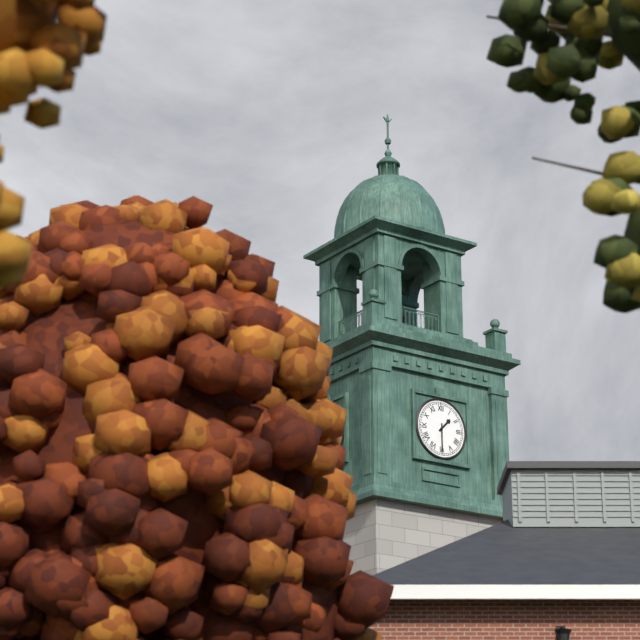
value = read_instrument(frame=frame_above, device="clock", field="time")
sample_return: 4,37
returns 1,30
